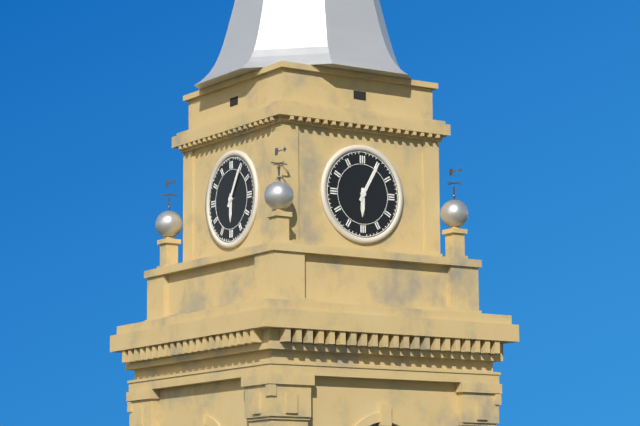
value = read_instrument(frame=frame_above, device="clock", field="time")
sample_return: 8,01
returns 6,05
